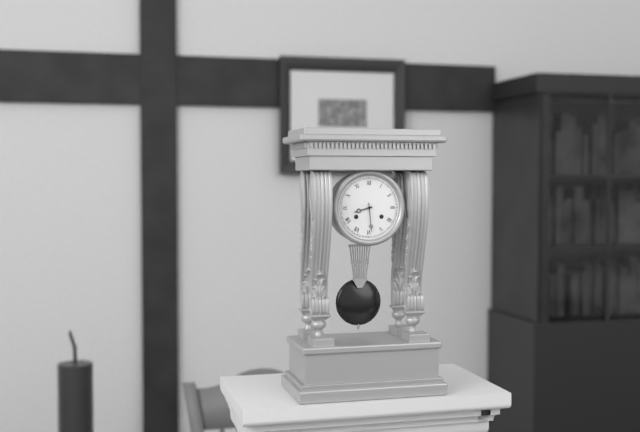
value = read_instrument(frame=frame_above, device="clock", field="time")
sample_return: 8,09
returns 8,29
